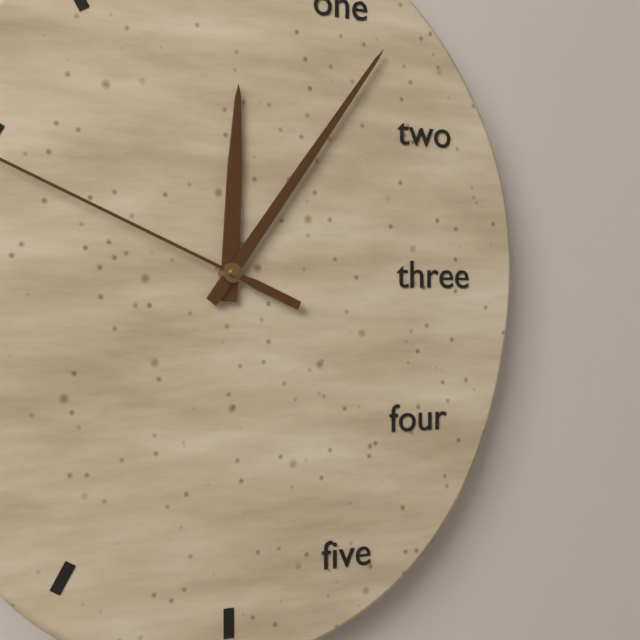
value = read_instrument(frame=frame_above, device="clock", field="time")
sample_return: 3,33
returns 12,06
